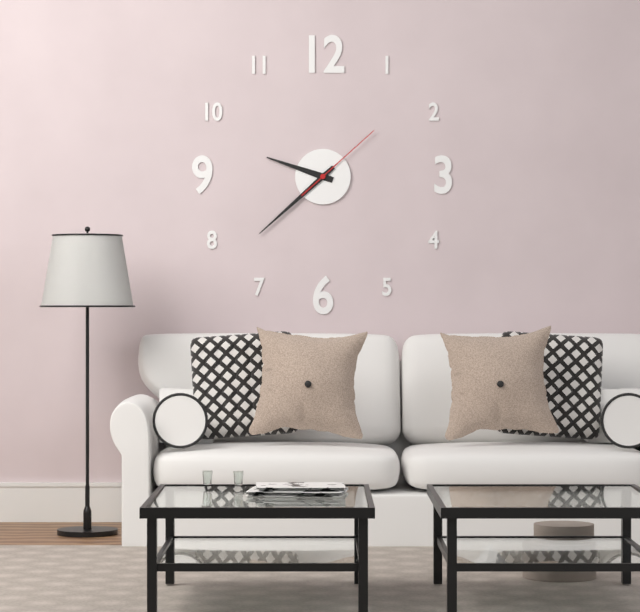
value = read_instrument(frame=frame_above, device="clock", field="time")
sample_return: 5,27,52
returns 9,38,08
